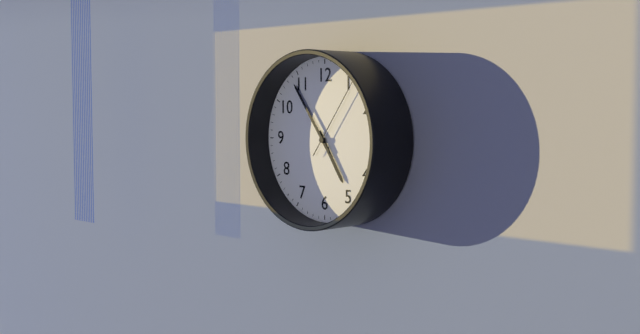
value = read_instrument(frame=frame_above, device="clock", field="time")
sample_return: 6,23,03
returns 4,54,06
